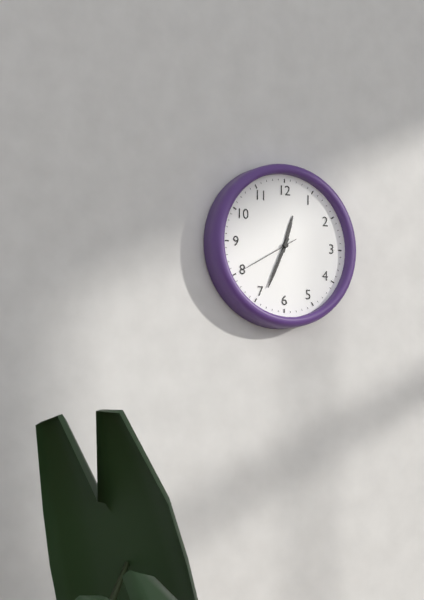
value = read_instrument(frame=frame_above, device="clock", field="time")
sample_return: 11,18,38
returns 12,34,40
